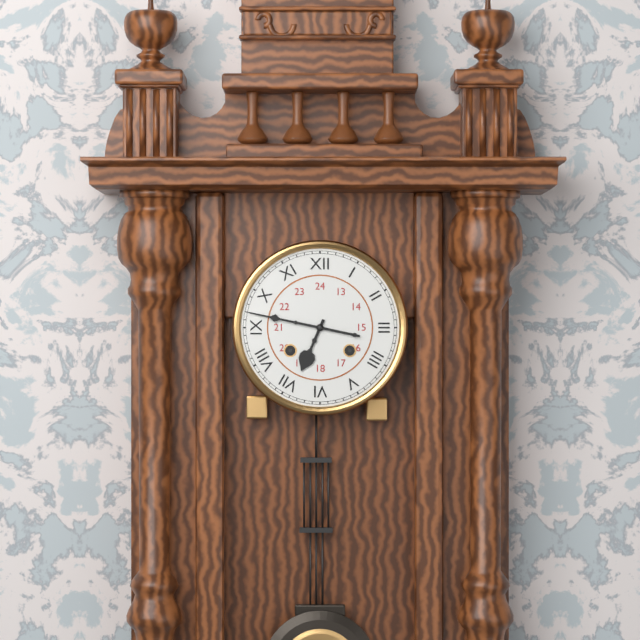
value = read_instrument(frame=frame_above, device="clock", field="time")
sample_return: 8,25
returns 6,47
